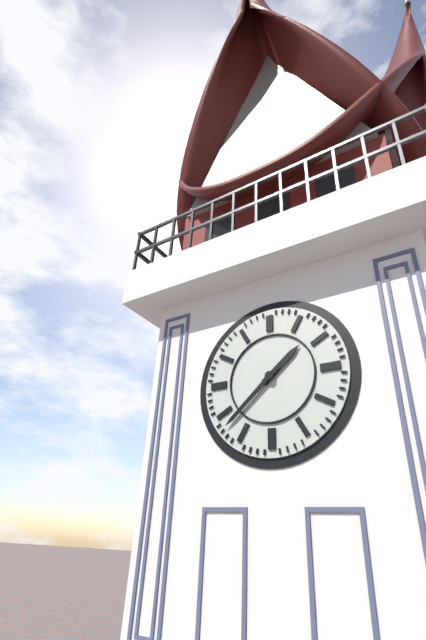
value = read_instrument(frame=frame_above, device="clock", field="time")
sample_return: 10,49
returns 1,38
